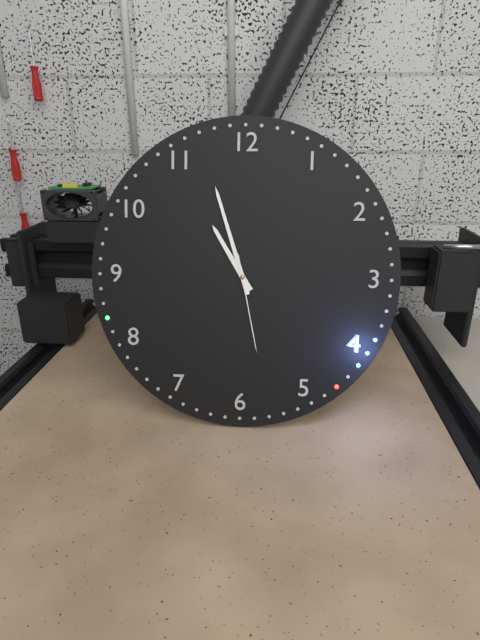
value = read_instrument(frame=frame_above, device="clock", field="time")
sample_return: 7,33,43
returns 10,57,28
